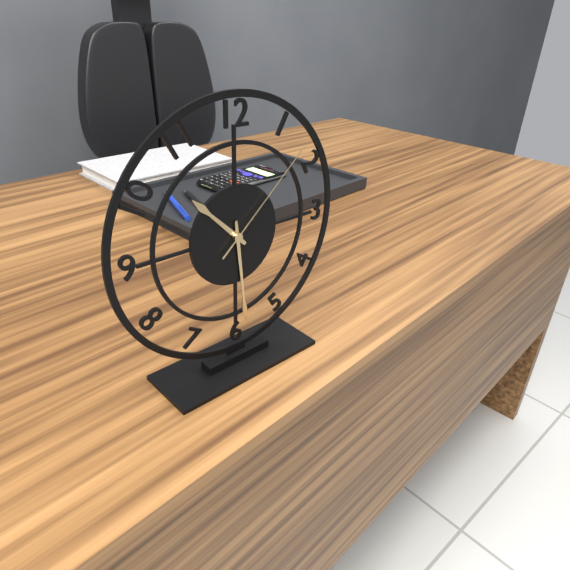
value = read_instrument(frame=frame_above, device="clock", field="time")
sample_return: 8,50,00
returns 10,29,08
